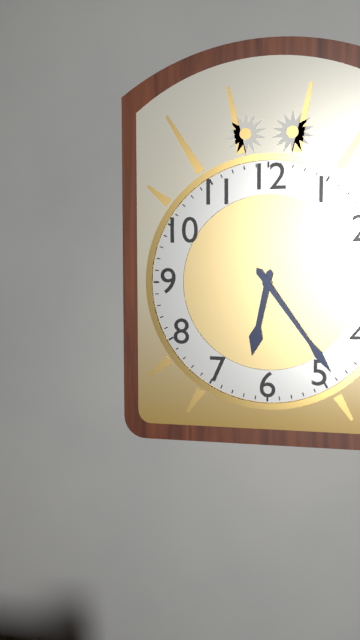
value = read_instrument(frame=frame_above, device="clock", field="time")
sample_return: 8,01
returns 6,24
